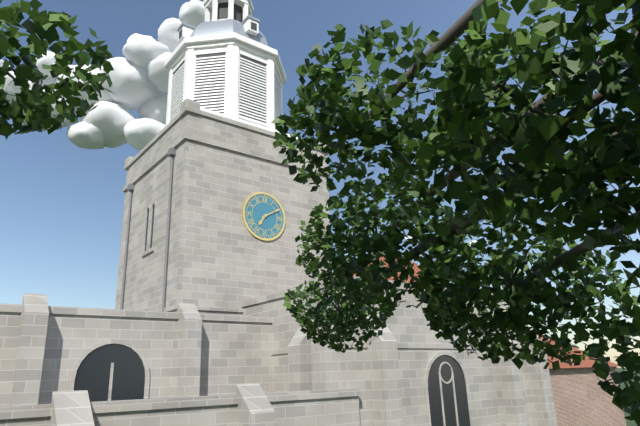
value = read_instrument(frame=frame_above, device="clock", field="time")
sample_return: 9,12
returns 7,10
